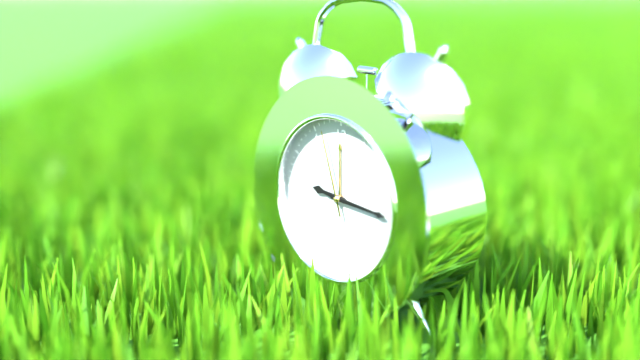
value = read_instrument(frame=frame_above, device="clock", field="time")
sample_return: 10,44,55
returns 9,16,57
